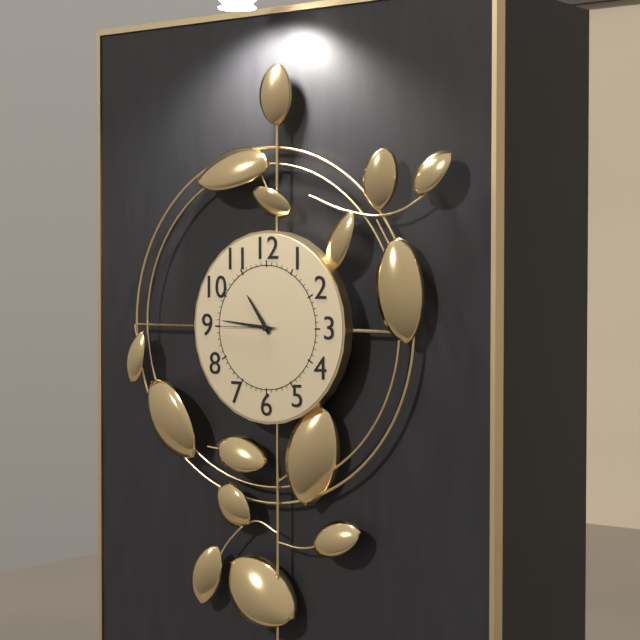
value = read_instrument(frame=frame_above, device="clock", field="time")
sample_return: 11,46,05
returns 10,46,45
